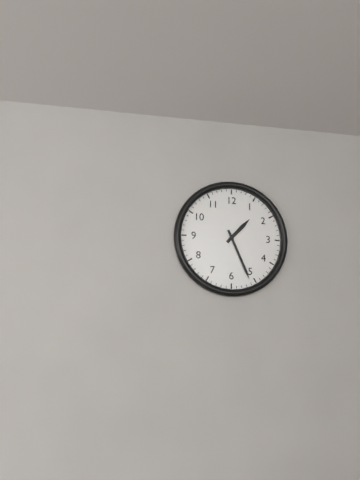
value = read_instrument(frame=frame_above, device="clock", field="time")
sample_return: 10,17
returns 1,26
